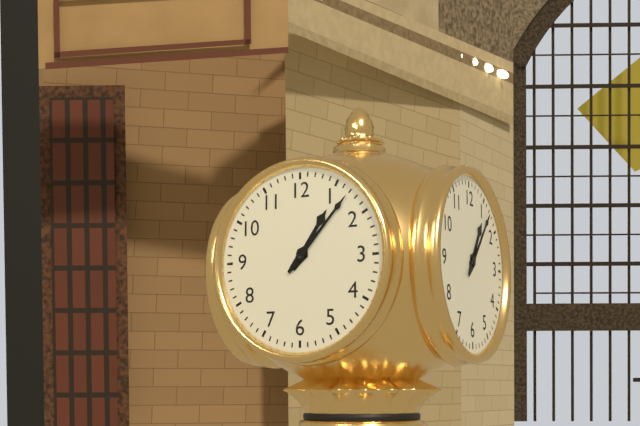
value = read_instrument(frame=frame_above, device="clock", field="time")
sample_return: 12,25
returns 1,07
